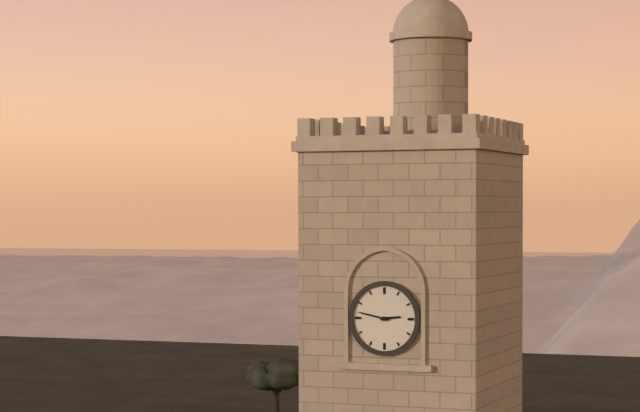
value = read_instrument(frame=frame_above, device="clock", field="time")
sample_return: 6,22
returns 2,47
